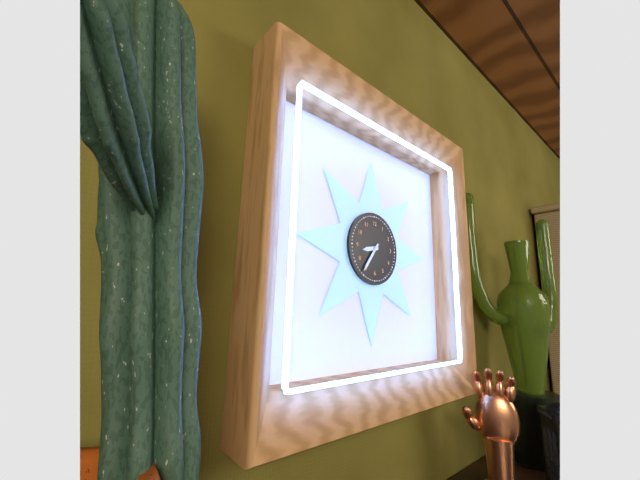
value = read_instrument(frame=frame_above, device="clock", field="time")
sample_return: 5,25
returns 8,36
